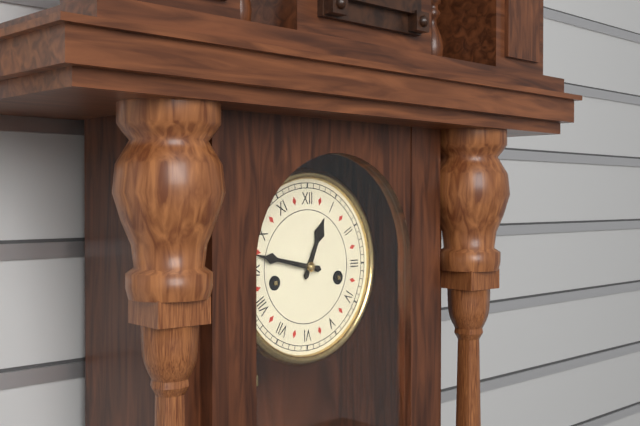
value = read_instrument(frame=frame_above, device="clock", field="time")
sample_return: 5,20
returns 12,47
